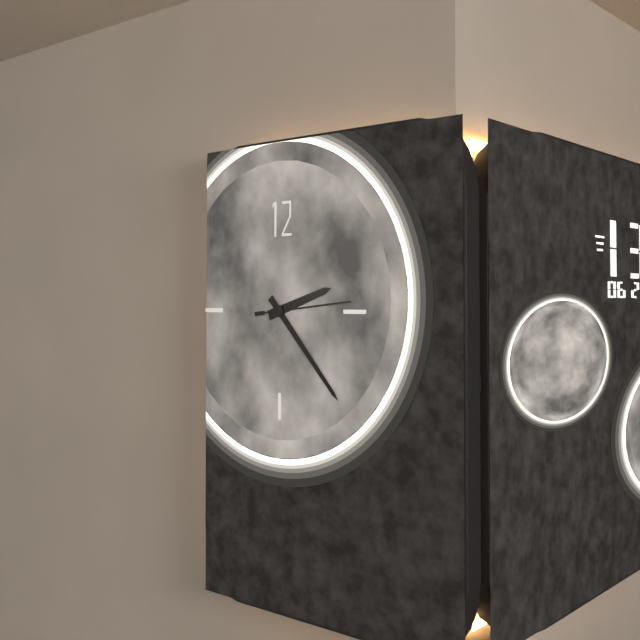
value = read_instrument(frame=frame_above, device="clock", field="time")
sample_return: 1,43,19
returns 2,23,14
